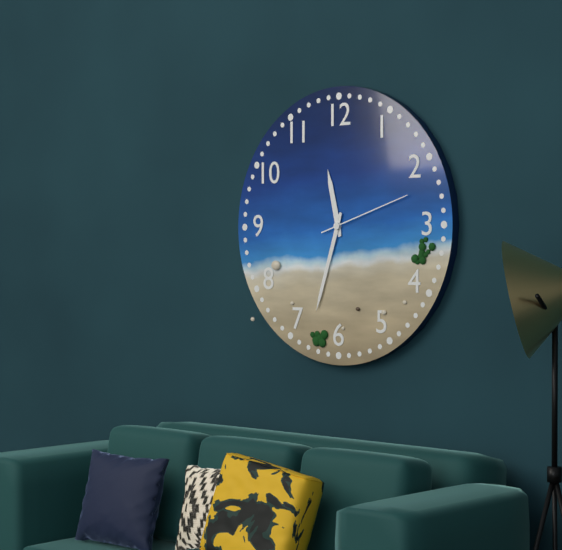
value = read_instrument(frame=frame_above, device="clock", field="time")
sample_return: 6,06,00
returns 11,33,12
